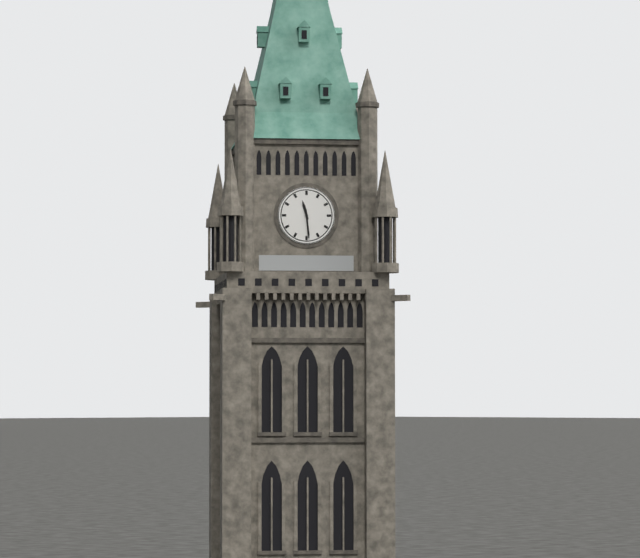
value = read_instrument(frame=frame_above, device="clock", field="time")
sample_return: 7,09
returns 11,29
